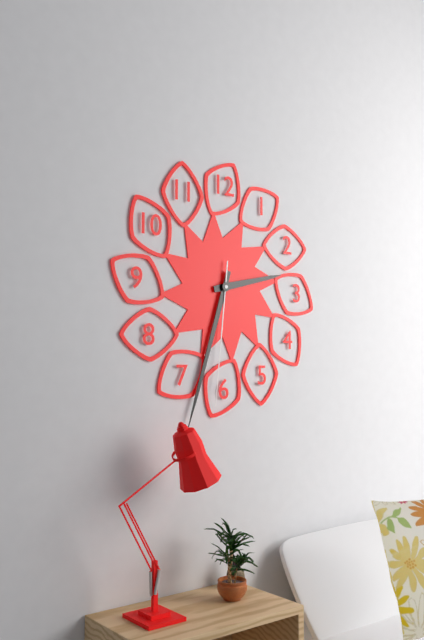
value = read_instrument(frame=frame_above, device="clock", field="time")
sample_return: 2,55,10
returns 2,33,31
